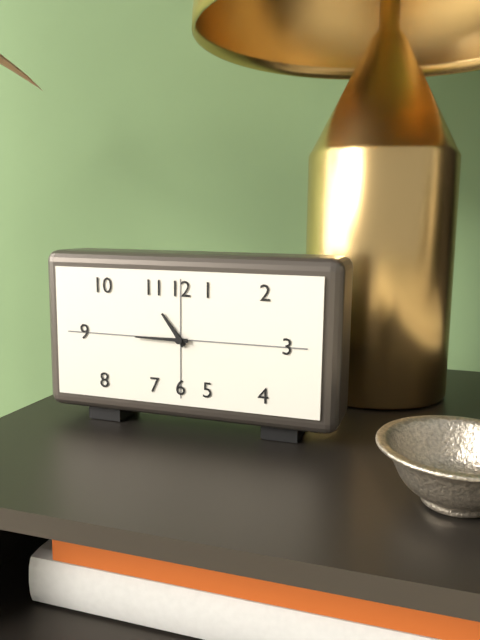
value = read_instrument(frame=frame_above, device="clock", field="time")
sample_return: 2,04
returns 10,45
